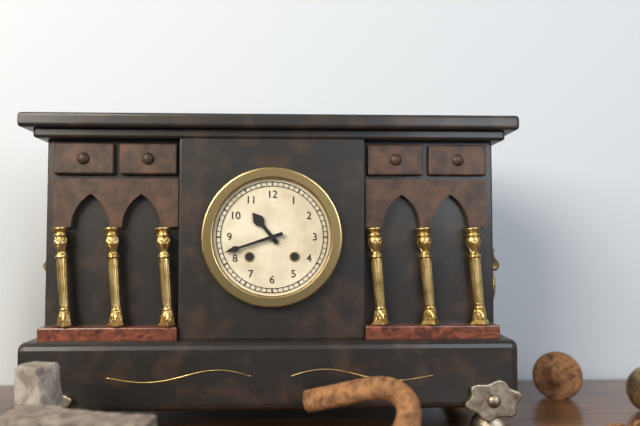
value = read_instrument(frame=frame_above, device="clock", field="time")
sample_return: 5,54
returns 10,42
